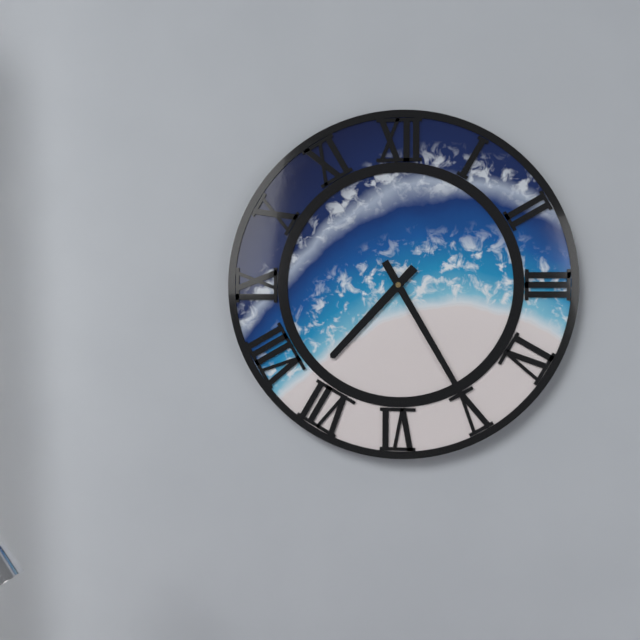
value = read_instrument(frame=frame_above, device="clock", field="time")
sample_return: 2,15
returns 7,25
